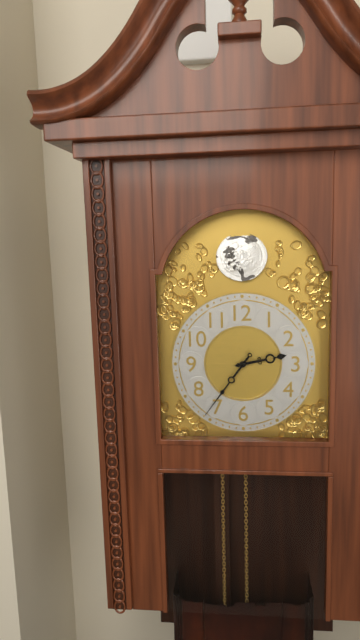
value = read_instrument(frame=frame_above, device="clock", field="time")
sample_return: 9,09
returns 2,36
